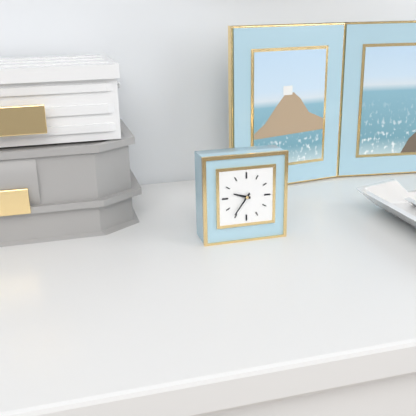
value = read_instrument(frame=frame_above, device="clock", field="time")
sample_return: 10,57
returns 9,36
